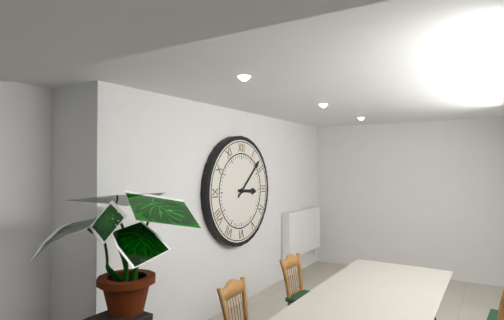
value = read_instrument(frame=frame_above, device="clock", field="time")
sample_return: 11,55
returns 3,08
